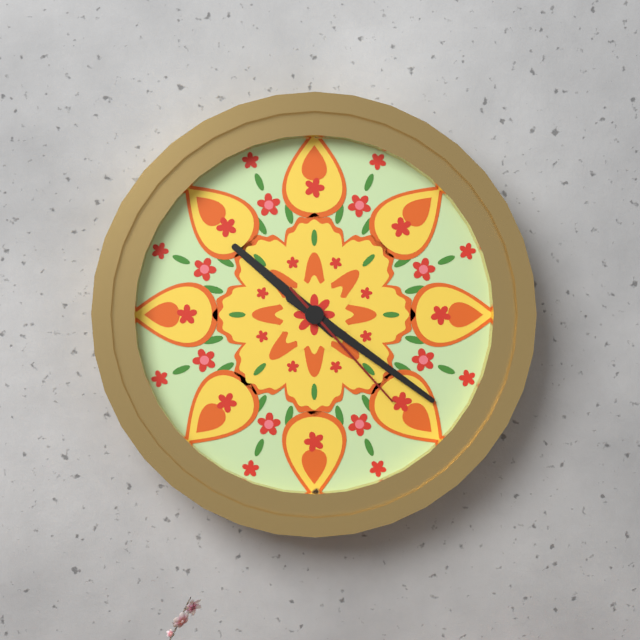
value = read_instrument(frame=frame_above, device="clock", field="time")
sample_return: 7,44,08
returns 10,21,23
